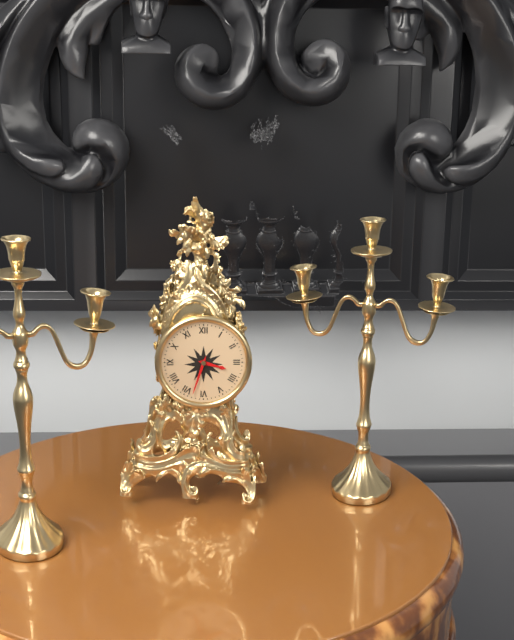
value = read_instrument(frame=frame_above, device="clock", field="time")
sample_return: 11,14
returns 3,33
